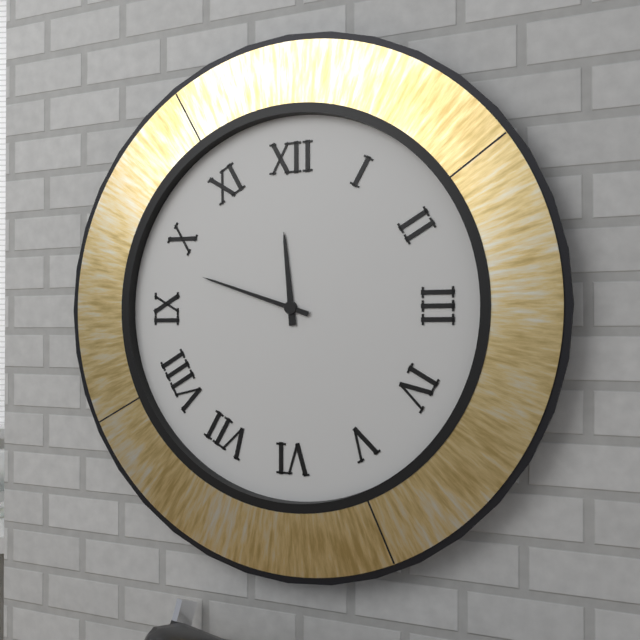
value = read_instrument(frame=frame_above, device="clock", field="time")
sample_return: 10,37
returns 11,48
